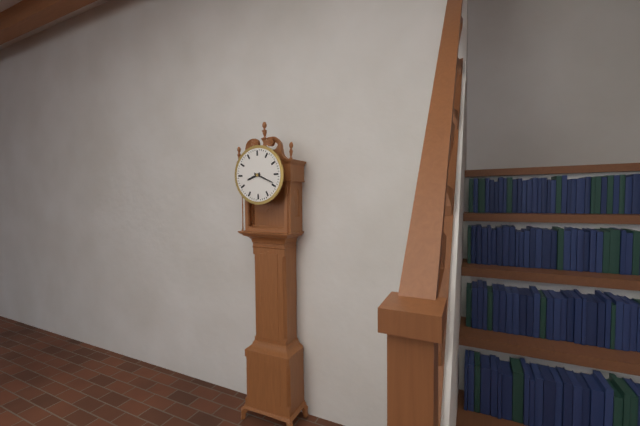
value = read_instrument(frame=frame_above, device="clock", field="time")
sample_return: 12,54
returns 8,19
